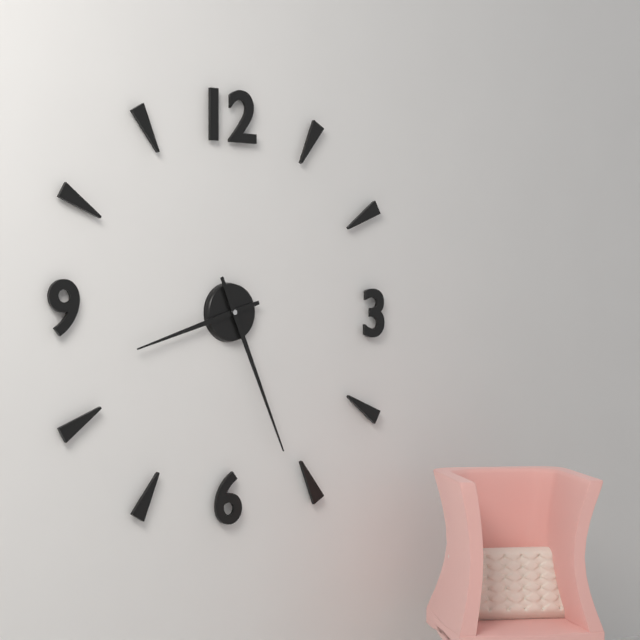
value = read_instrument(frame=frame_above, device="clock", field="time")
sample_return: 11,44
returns 8,26
